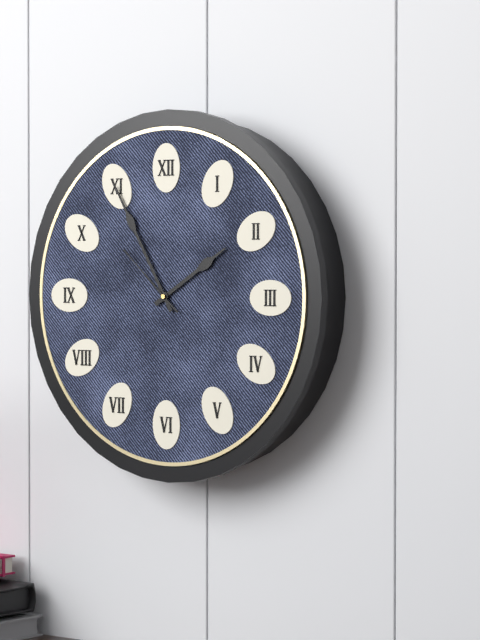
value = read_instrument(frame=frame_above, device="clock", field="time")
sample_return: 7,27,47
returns 1,55,52
